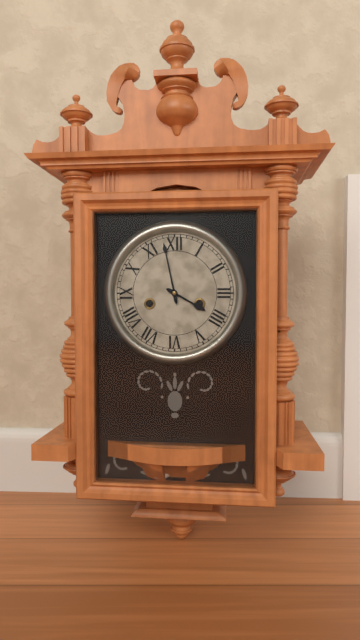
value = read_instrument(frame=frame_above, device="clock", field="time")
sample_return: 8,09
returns 3,58
